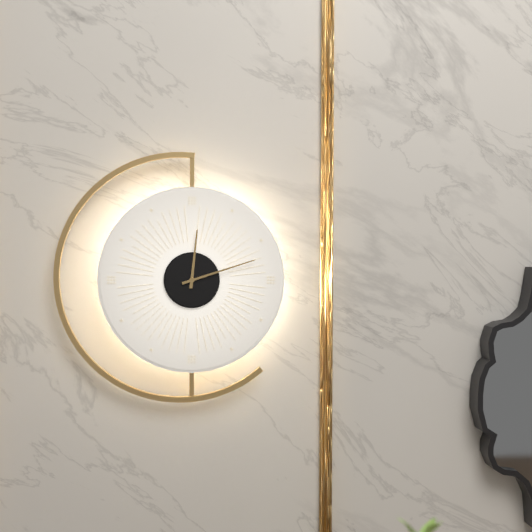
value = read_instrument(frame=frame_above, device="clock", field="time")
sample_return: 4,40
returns 12,12
